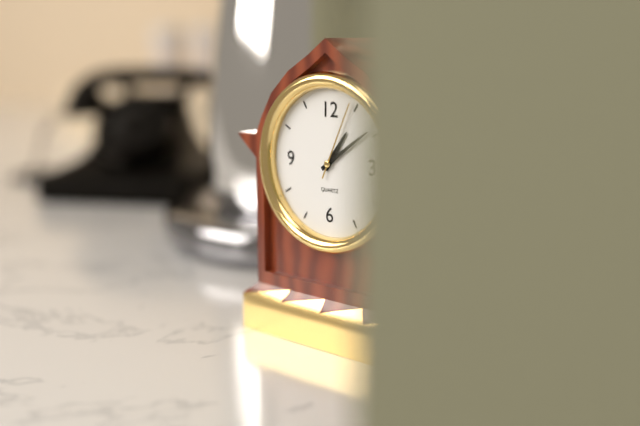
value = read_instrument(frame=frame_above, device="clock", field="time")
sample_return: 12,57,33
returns 1,09,04
